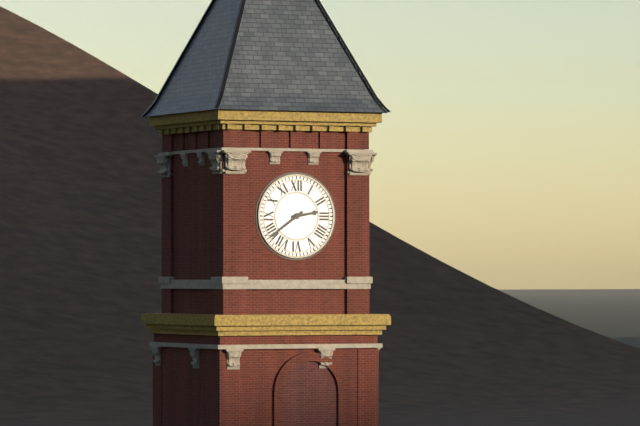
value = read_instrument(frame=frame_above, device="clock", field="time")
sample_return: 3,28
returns 2,39
